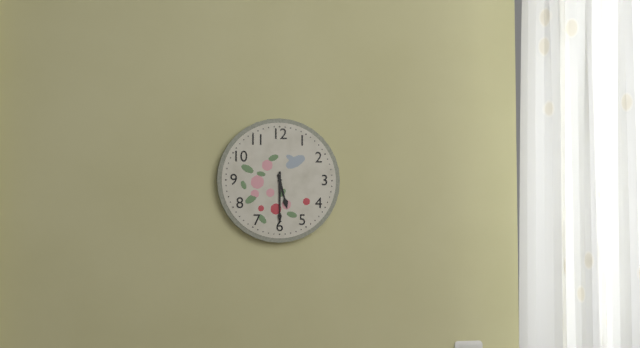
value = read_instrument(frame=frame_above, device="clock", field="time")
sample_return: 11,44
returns 5,30
